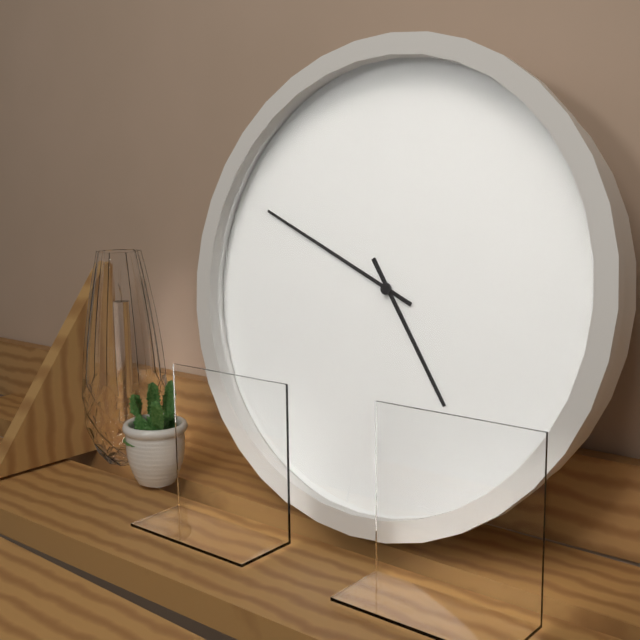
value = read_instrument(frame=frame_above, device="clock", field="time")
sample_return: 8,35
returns 4,49
